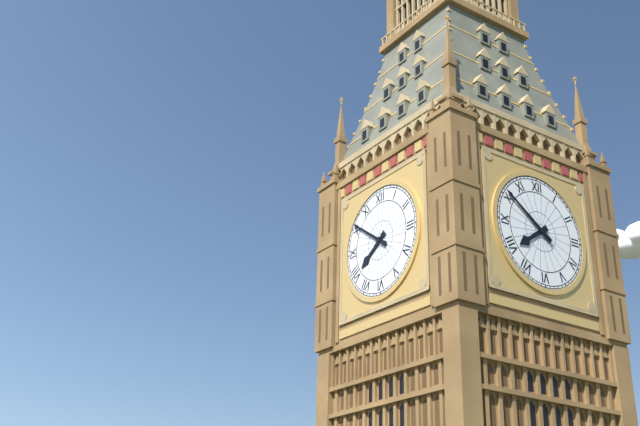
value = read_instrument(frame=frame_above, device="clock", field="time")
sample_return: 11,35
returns 7,51
